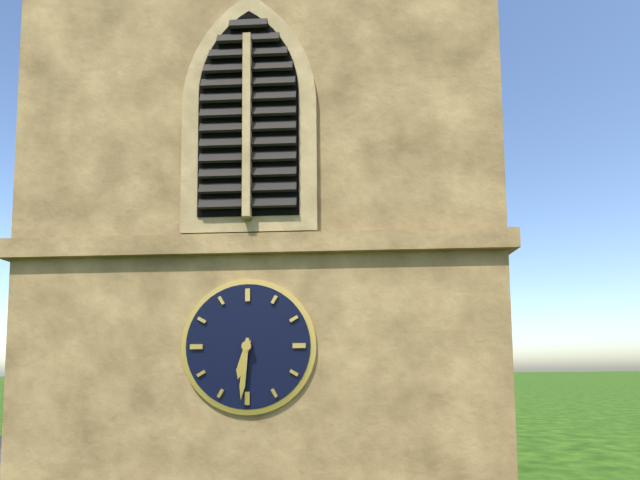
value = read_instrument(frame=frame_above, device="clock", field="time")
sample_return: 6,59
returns 6,31
